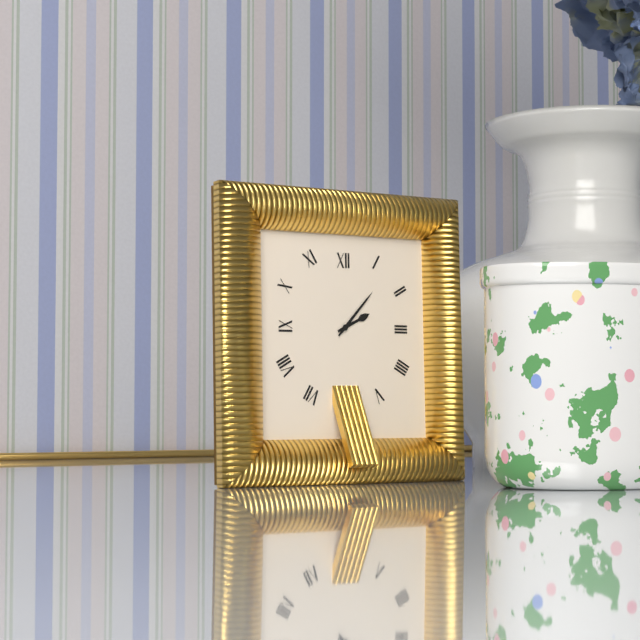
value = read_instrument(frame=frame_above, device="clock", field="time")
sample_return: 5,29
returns 2,07
